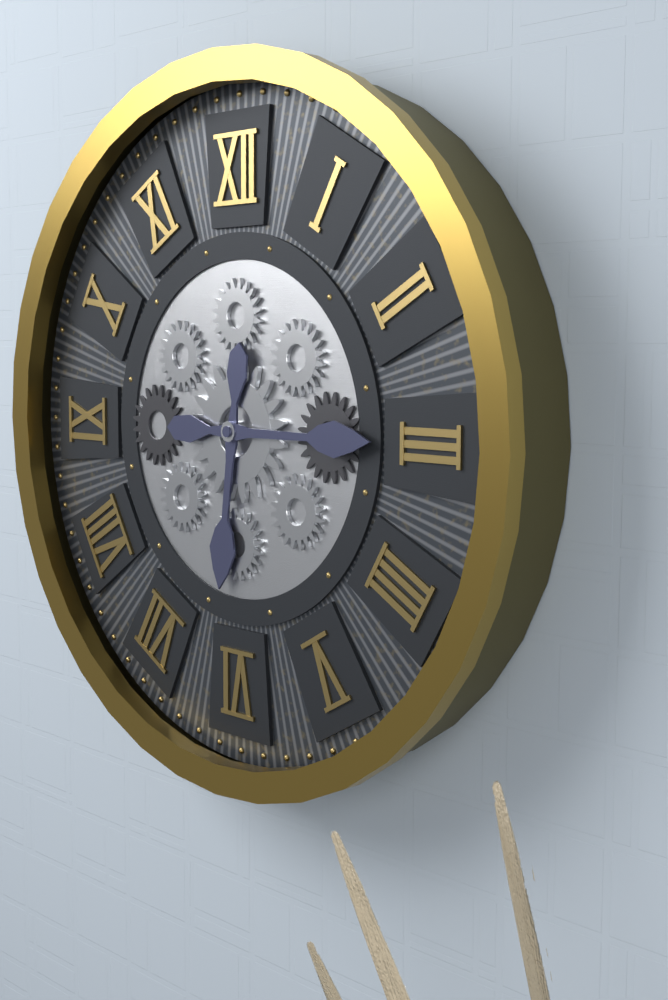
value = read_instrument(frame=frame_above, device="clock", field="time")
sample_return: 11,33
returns 6,15
